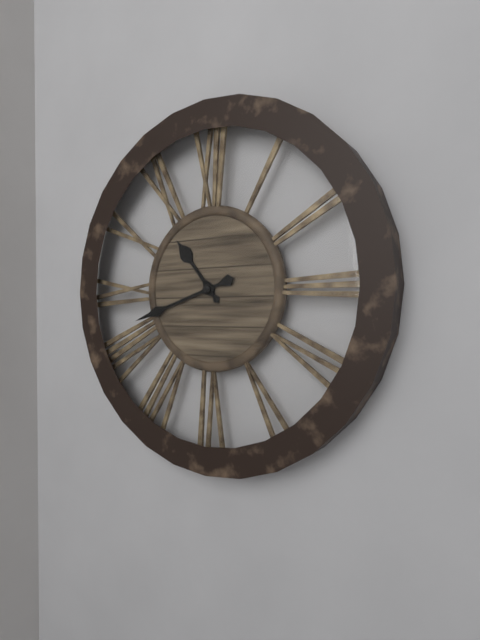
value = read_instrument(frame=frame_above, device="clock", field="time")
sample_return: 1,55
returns 10,42
